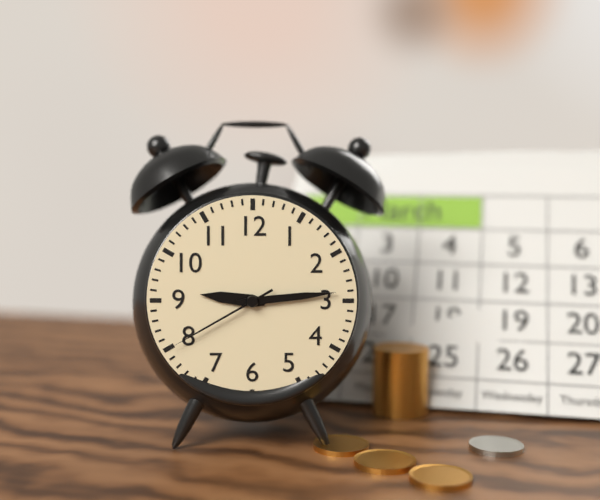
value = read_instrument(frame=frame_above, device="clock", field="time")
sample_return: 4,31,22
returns 9,14,40
